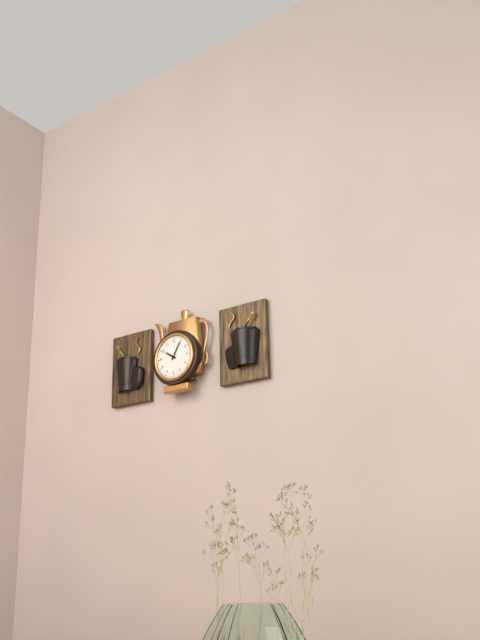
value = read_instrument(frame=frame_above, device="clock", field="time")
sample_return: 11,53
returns 10,05
